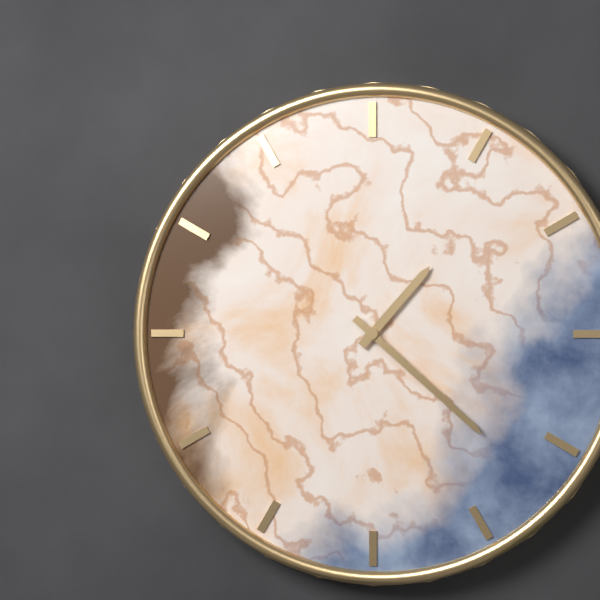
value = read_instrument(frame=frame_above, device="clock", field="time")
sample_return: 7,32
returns 1,22
